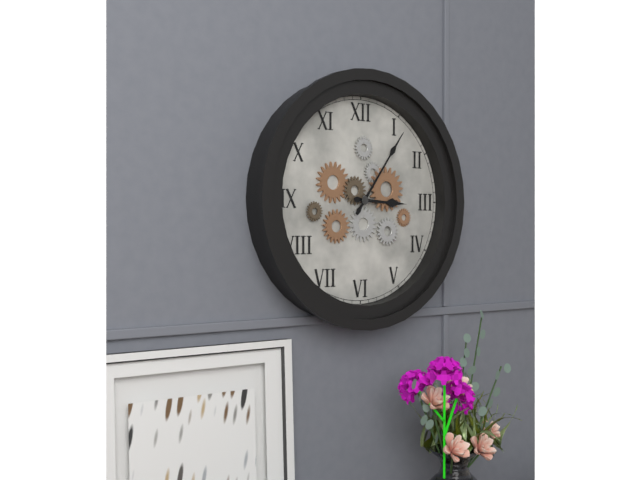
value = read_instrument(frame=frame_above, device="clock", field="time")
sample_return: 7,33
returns 3,06
